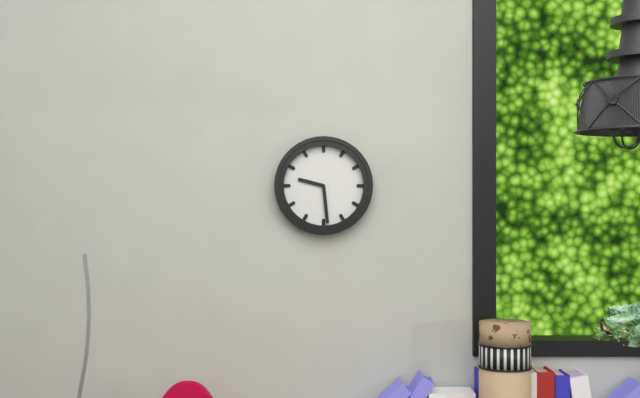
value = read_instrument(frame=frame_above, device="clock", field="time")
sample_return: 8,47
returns 9,29
